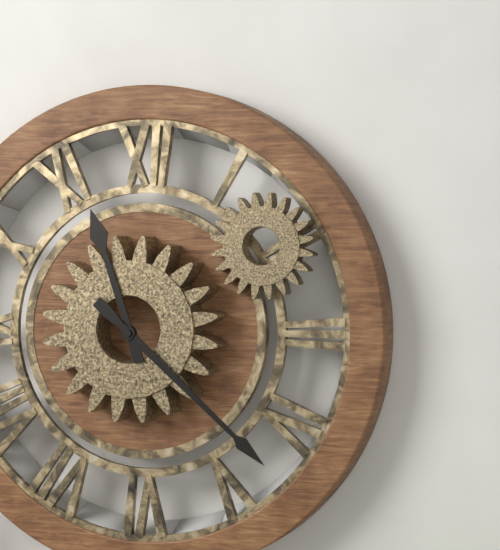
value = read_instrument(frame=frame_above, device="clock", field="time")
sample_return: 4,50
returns 11,22
